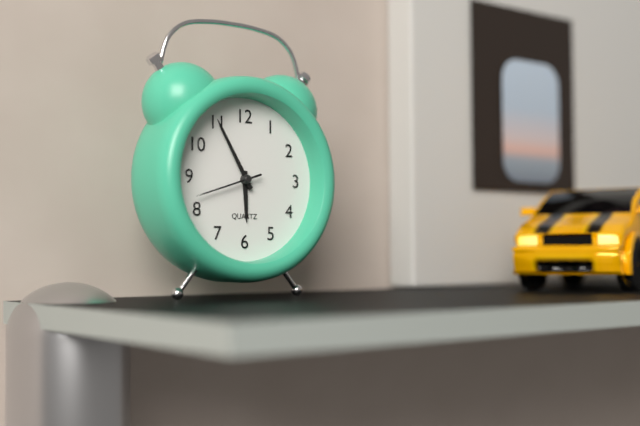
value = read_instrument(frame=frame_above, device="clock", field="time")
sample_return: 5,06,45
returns 5,55,42
